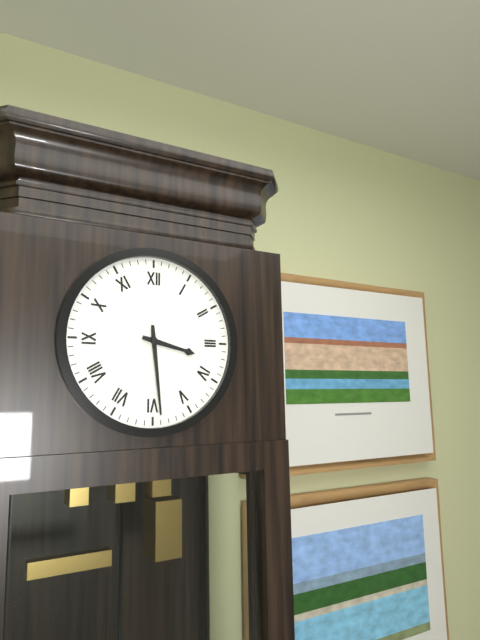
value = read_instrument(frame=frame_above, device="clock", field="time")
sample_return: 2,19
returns 3,29
